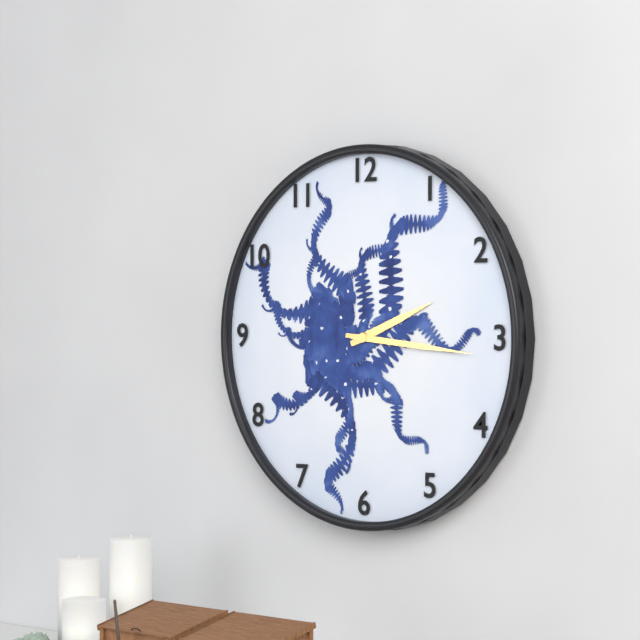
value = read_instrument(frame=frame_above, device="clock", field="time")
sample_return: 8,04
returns 2,16
